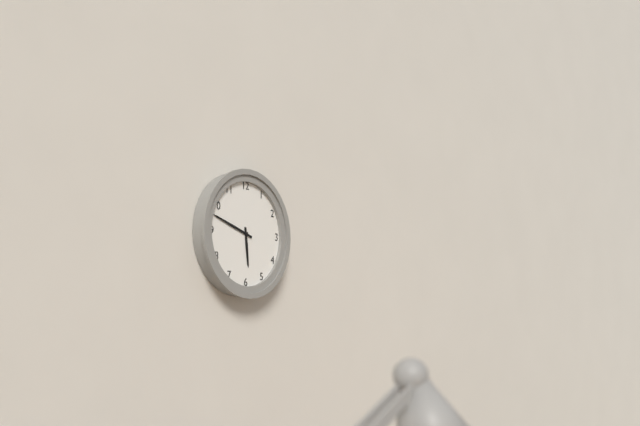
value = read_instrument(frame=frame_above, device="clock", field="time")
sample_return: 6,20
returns 5,48
